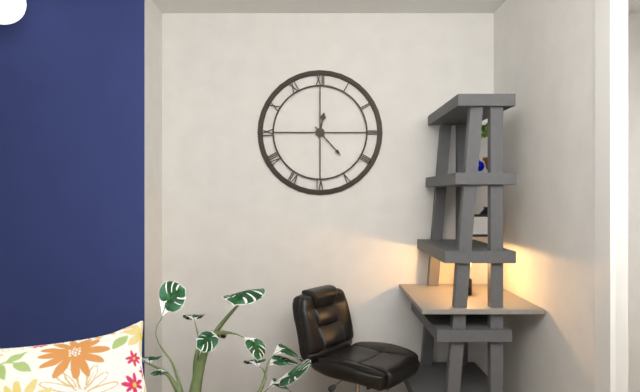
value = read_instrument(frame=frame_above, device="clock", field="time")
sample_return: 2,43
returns 12,23
